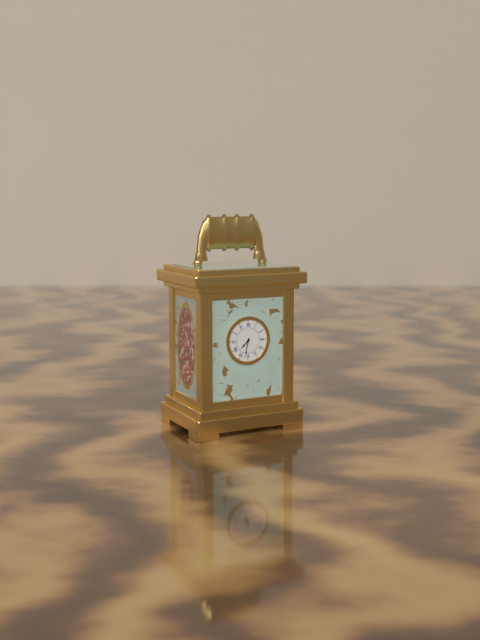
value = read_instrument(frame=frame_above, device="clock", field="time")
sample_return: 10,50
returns 7,32
